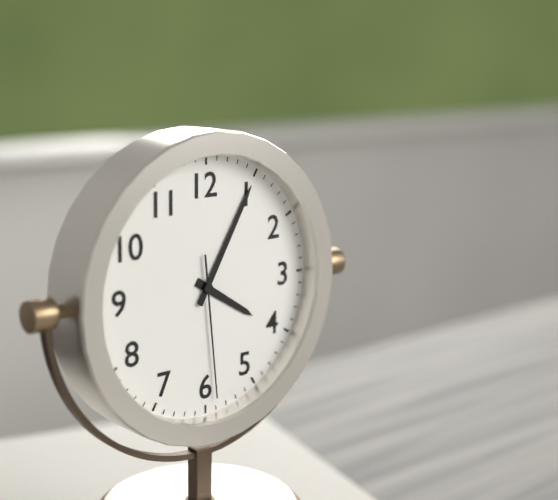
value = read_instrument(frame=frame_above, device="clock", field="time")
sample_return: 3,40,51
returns 4,05,29
